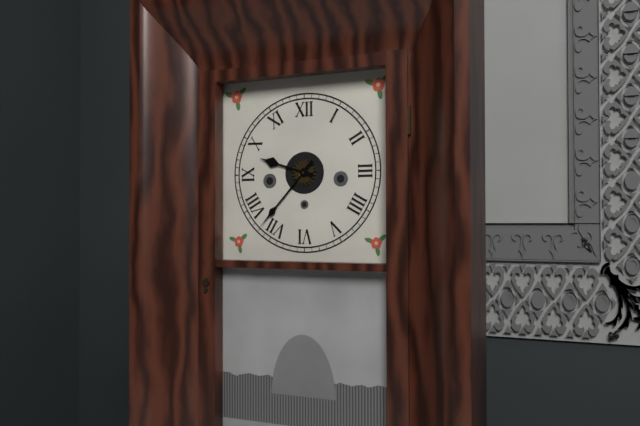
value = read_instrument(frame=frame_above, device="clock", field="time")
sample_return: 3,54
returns 9,37
